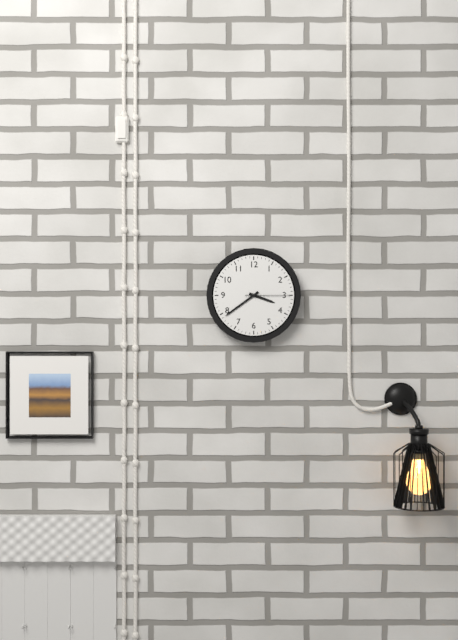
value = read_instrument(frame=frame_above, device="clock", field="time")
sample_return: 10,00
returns 3,39
